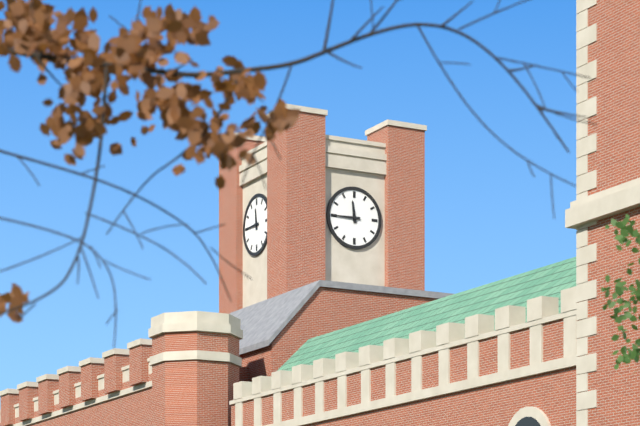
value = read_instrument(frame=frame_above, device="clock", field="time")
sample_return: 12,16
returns 11,45
